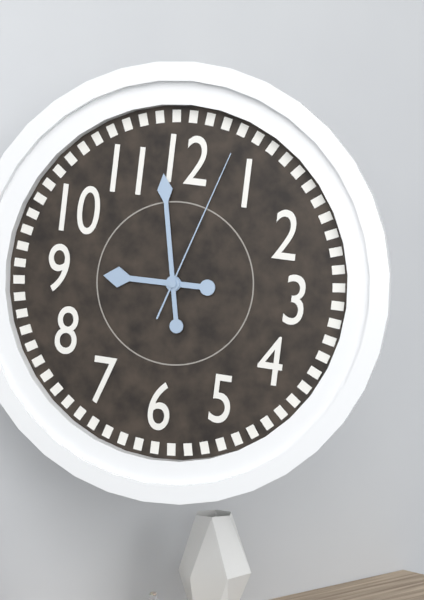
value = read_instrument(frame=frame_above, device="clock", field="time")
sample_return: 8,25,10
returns 8,58,03
